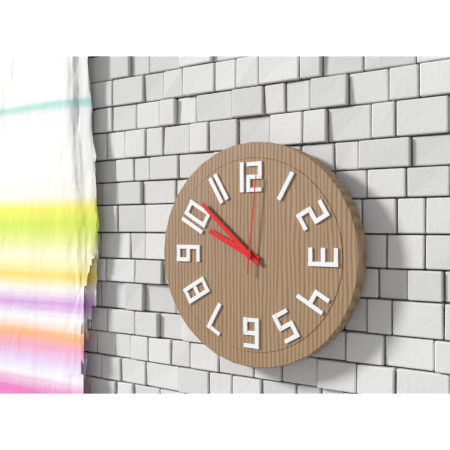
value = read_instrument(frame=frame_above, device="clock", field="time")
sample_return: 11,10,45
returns 9,52,01
